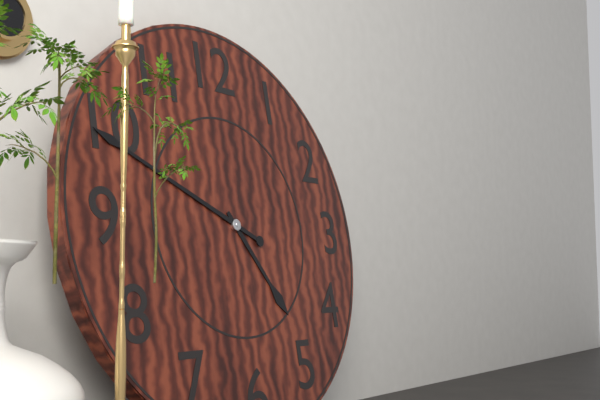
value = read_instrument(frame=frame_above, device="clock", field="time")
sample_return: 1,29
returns 4,49
